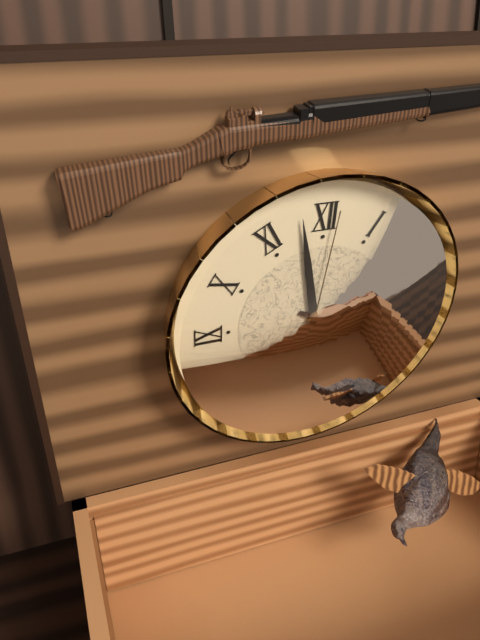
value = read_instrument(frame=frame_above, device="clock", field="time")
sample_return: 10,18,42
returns 3,58,01
